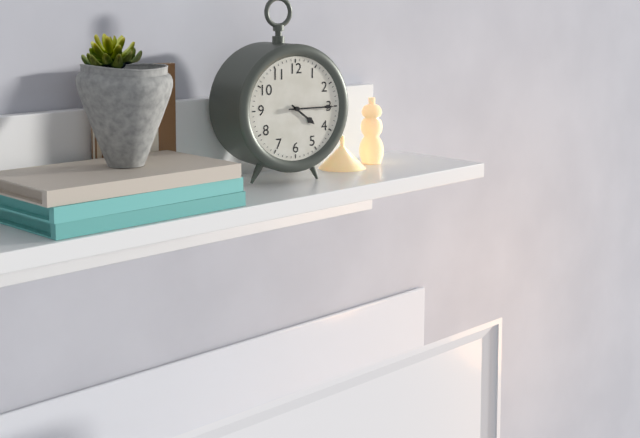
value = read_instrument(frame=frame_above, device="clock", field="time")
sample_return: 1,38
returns 4,15
